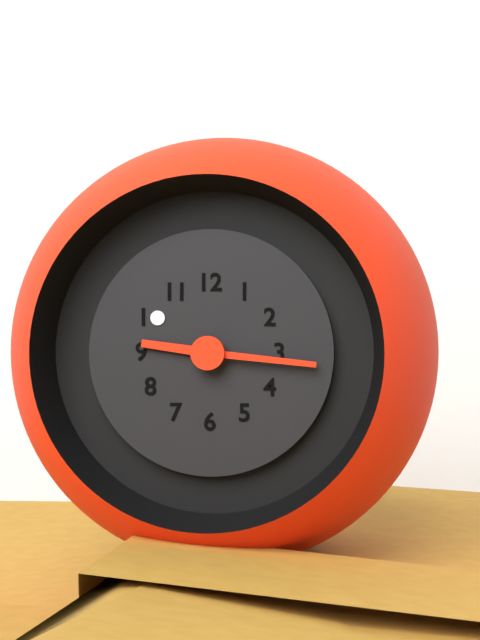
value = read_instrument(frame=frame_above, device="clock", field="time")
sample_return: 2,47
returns 9,16
